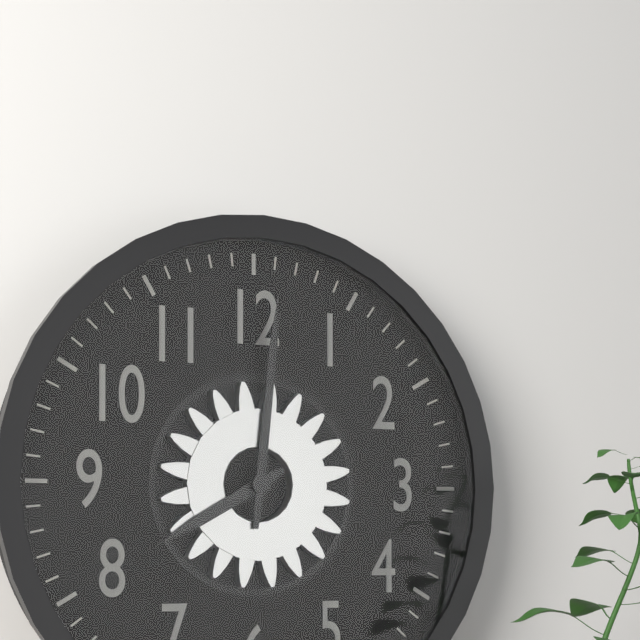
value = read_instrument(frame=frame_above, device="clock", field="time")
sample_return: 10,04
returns 8,01
